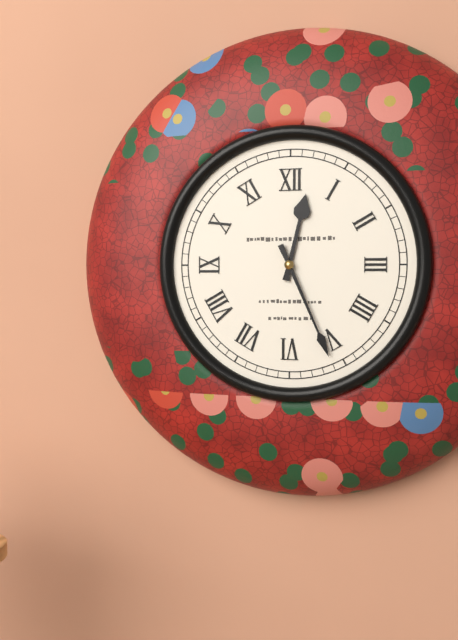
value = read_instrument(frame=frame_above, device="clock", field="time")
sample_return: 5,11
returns 12,26
